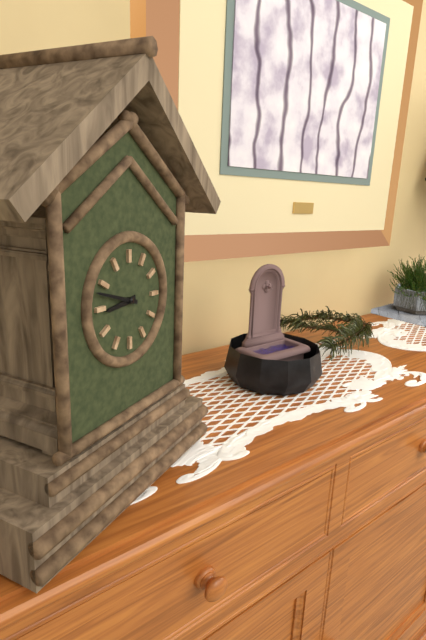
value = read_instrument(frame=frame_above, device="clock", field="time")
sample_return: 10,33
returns 8,48
